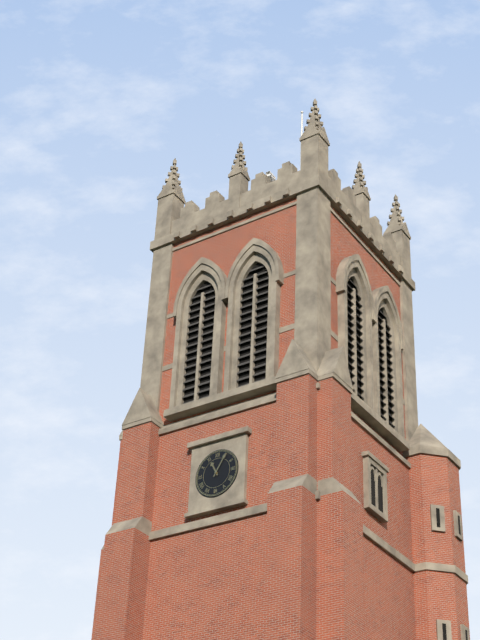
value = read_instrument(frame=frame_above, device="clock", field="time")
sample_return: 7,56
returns 11,05
